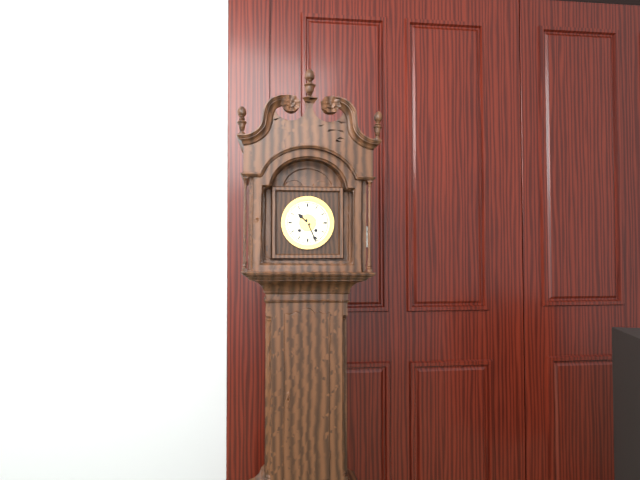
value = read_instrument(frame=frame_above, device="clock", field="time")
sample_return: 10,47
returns 10,26
